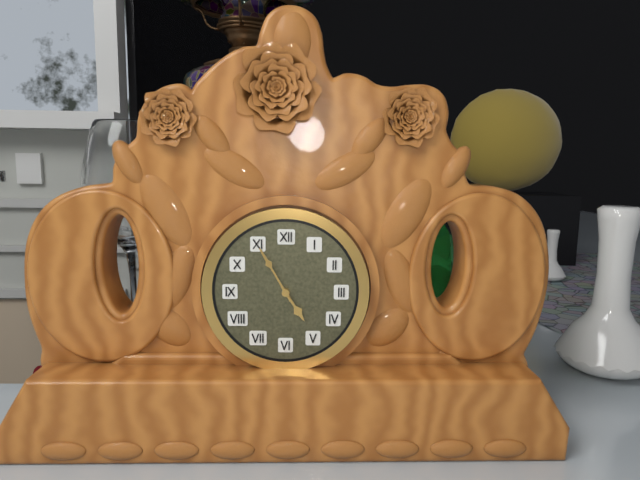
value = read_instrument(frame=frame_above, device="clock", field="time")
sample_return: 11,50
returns 4,55
